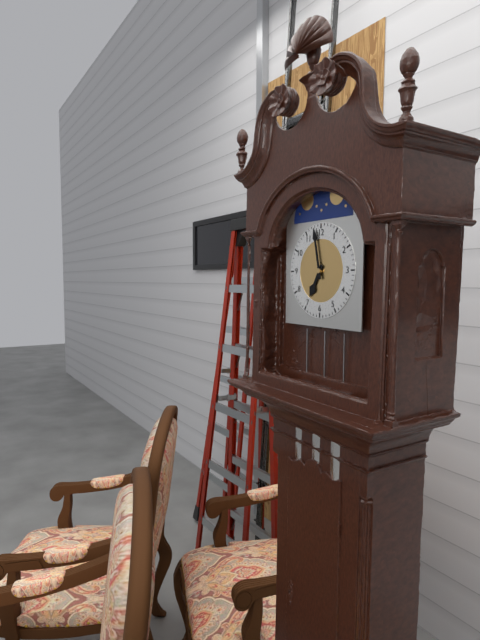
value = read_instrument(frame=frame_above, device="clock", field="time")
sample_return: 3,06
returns 6,58
